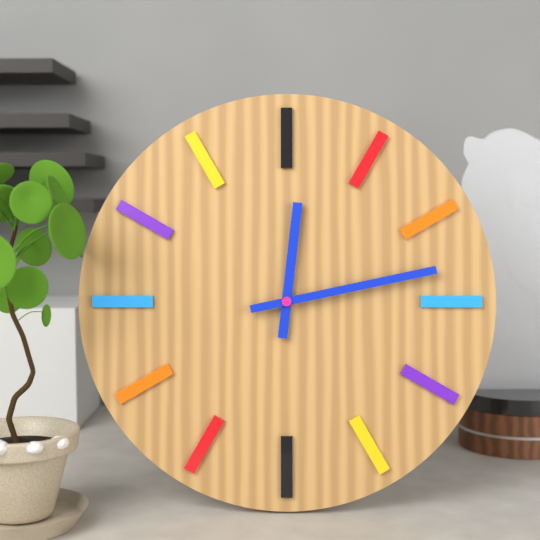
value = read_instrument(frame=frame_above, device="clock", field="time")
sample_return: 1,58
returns 12,13
